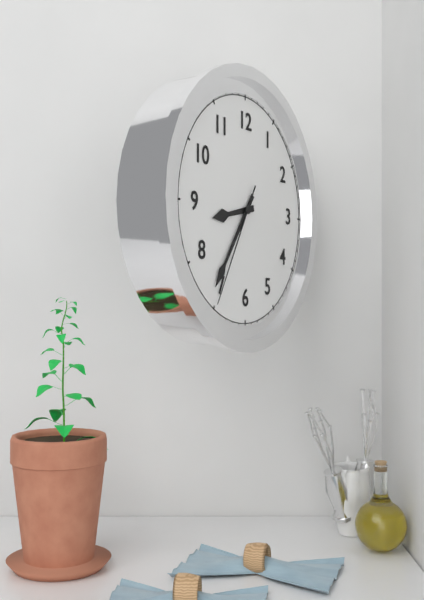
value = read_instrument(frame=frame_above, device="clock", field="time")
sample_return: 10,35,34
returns 8,36,35
